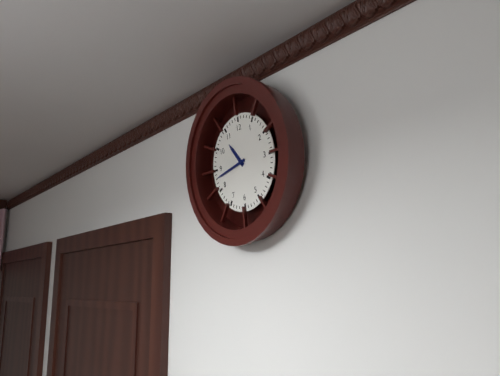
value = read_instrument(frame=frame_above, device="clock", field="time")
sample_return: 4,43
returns 10,43
